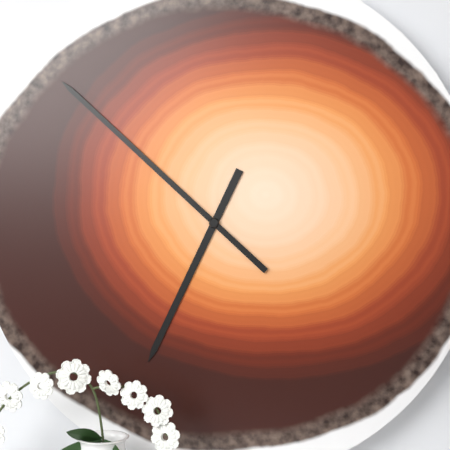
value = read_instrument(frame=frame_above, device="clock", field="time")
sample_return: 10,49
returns 6,52
